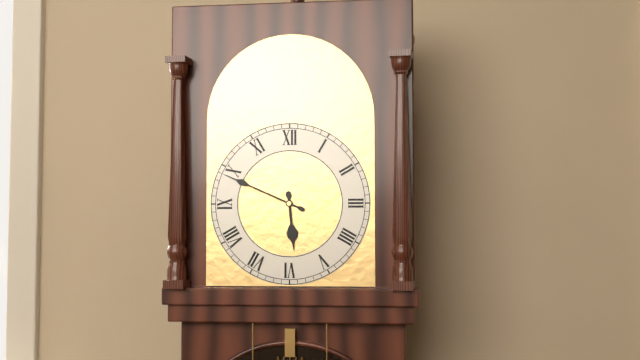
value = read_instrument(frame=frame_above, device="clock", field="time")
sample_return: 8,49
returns 5,49
